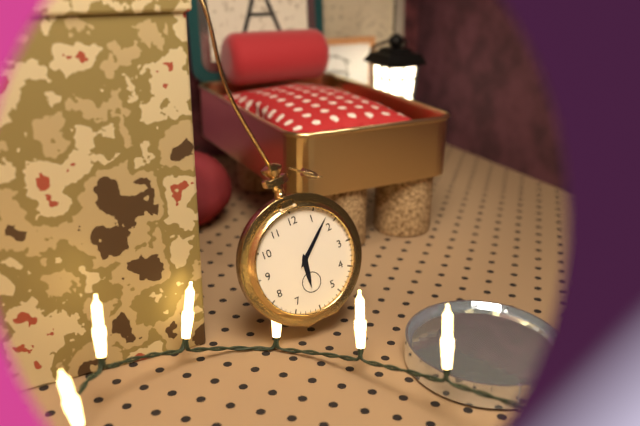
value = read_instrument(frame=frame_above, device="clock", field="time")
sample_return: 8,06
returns 6,08
